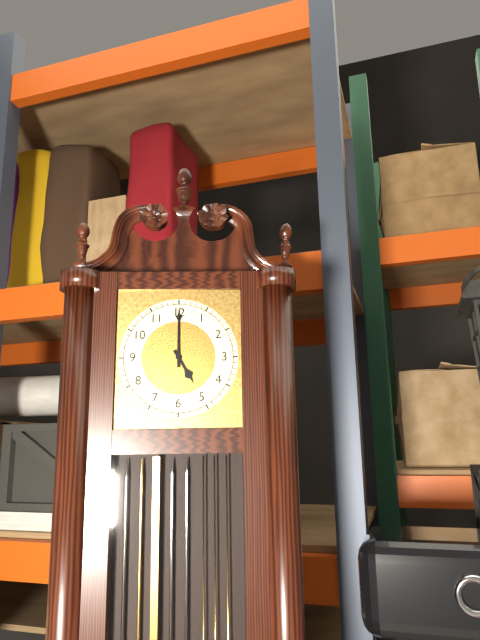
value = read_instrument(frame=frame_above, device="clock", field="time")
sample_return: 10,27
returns 5,00
